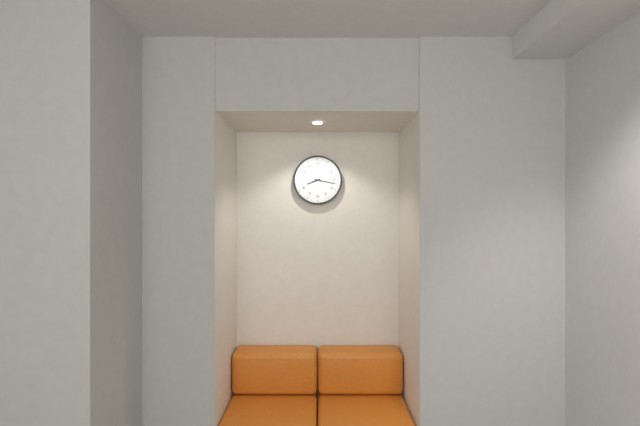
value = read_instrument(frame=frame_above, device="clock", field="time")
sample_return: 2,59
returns 8,17
